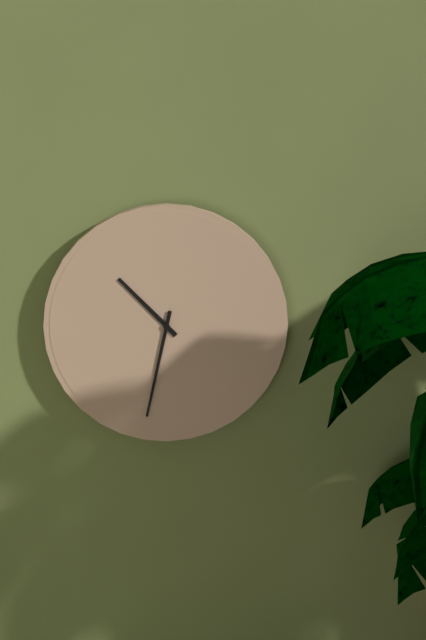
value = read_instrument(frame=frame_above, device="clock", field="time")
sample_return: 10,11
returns 10,32
